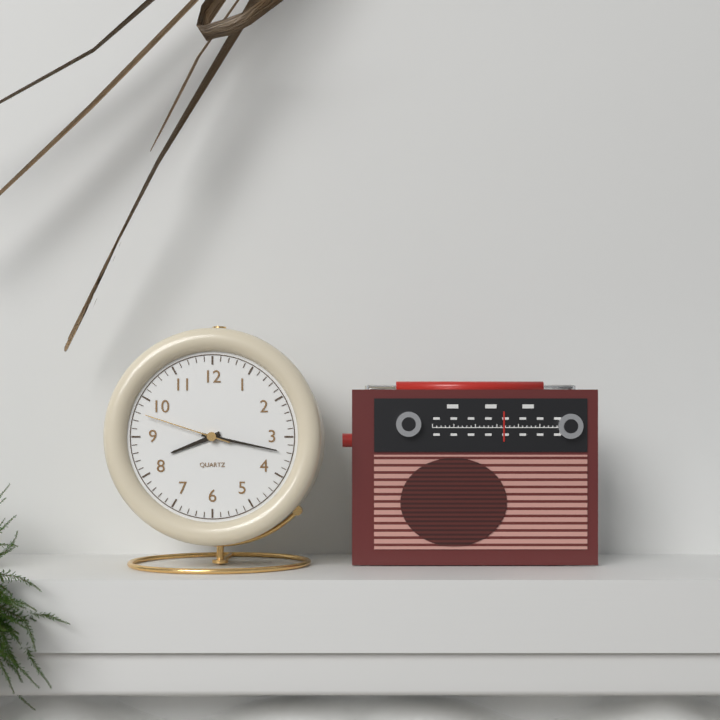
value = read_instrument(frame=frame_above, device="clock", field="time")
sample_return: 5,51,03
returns 8,17,48
